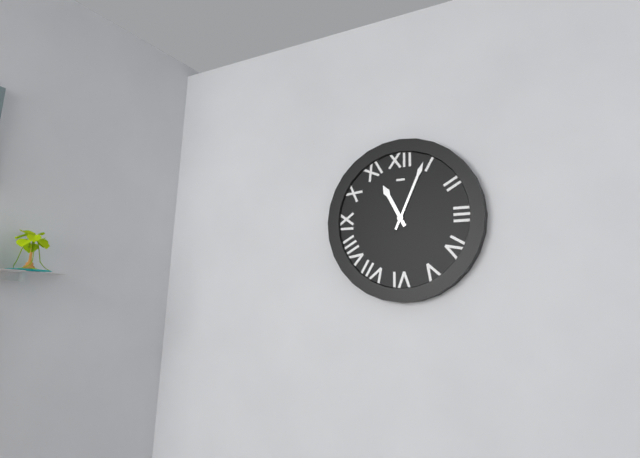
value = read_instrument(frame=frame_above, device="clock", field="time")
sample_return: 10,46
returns 11,04
